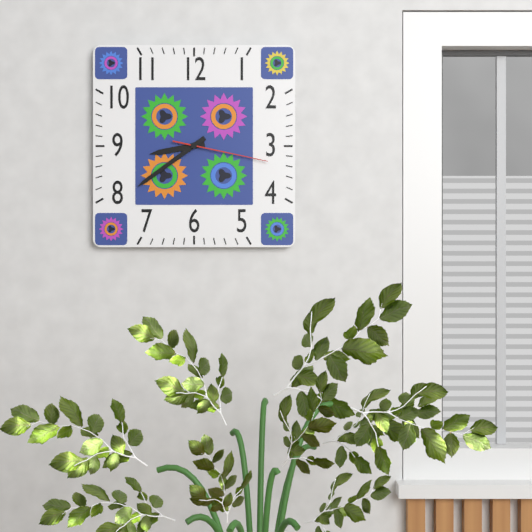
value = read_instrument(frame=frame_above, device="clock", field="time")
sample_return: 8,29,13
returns 8,39,17
